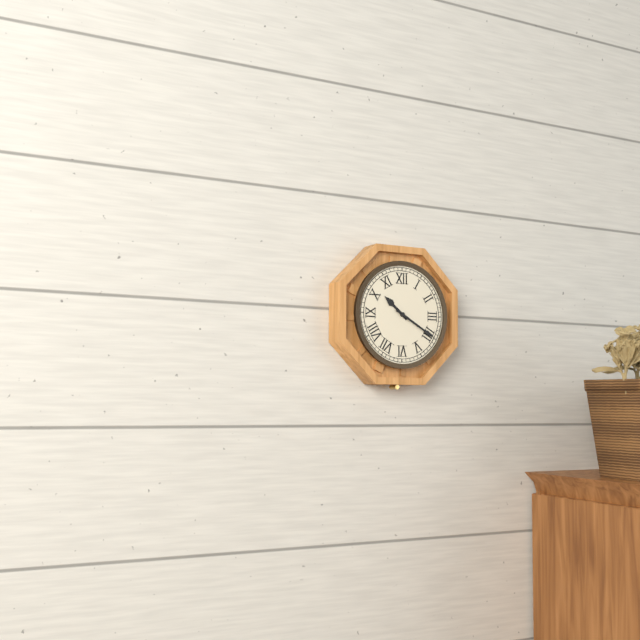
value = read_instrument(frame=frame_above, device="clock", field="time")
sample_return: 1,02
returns 10,20
